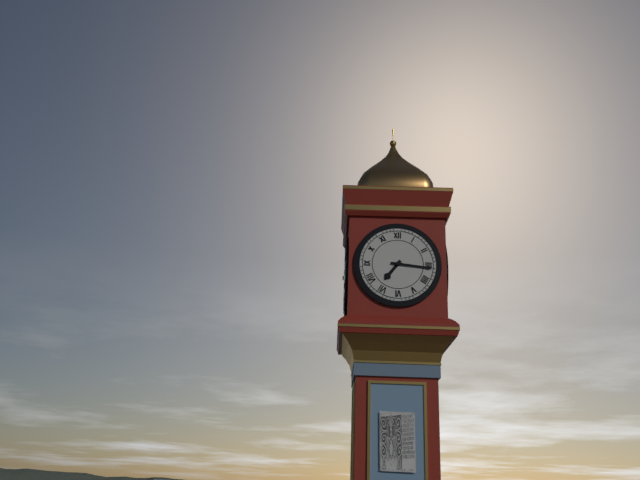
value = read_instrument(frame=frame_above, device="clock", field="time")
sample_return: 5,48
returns 7,16
